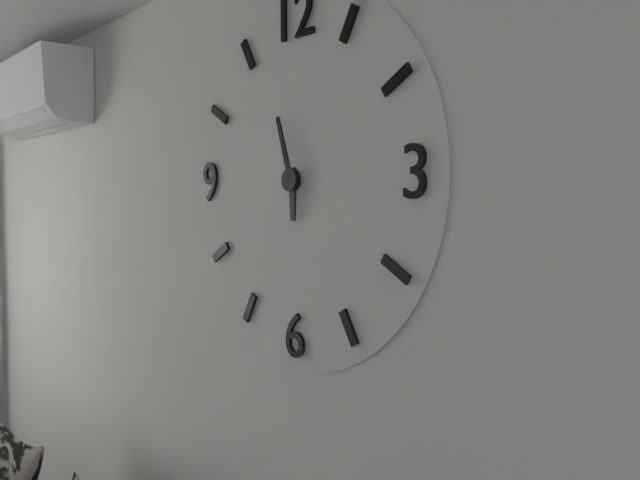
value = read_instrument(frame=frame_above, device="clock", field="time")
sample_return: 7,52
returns 5,57
